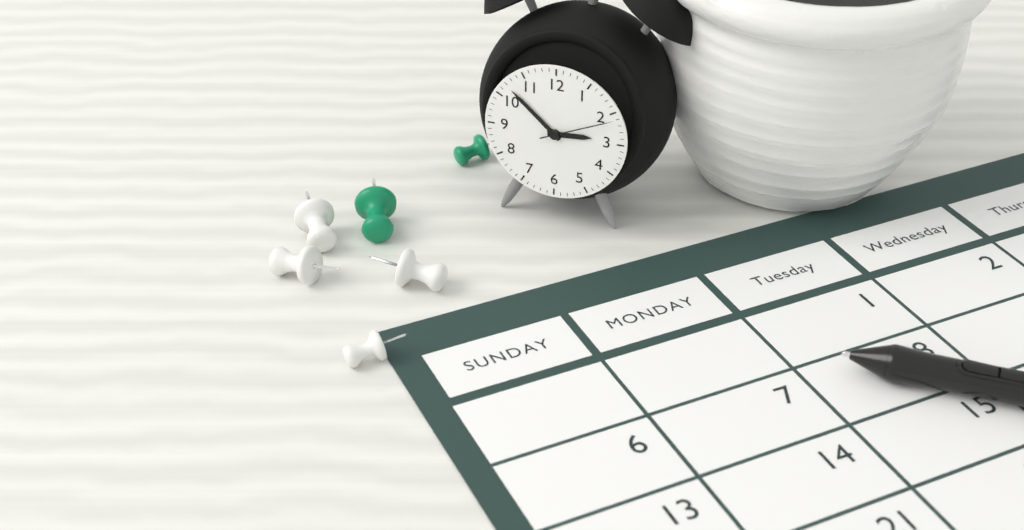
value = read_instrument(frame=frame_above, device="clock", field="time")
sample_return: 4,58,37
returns 2,52,11
